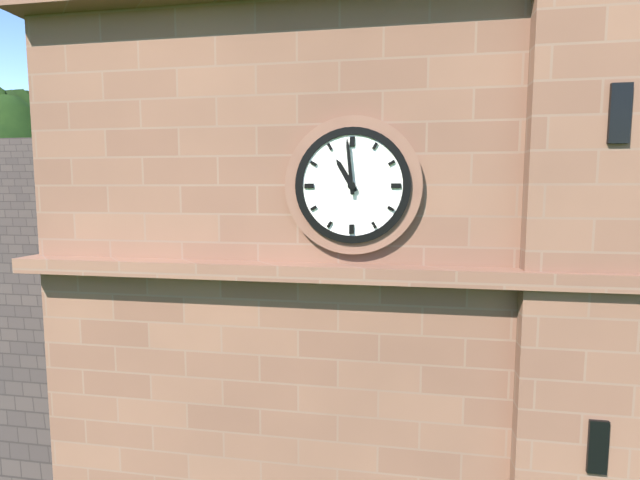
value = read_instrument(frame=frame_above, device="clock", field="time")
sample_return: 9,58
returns 10,59
